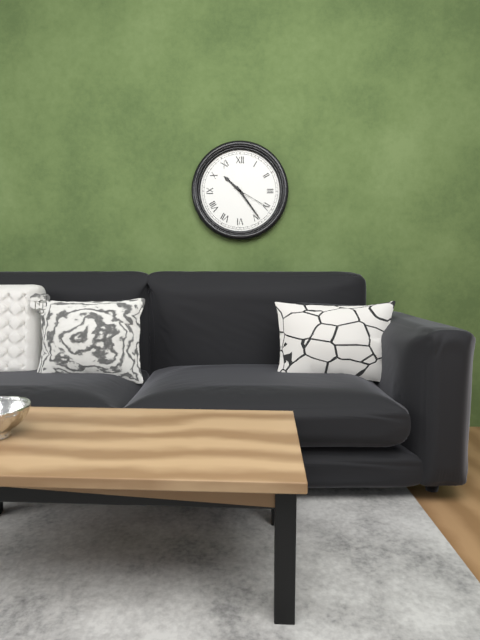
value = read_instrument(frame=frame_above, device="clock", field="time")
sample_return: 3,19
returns 10,24
